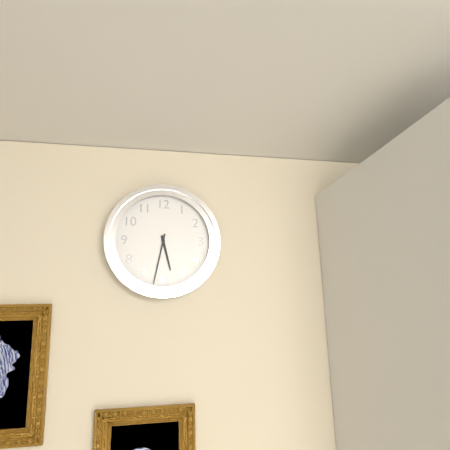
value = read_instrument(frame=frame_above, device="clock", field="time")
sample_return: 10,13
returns 5,32
